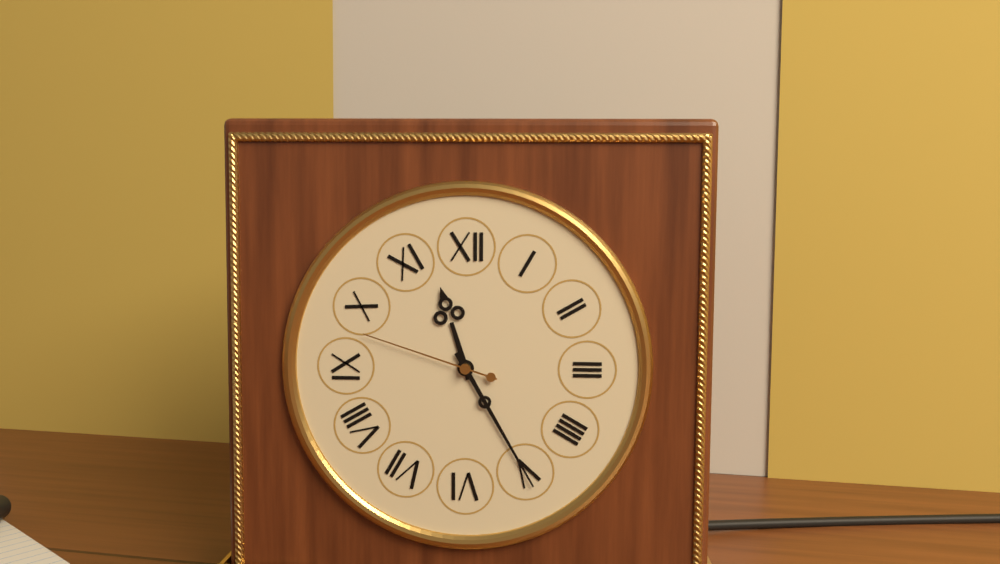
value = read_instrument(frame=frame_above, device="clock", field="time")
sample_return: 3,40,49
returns 11,25,48
